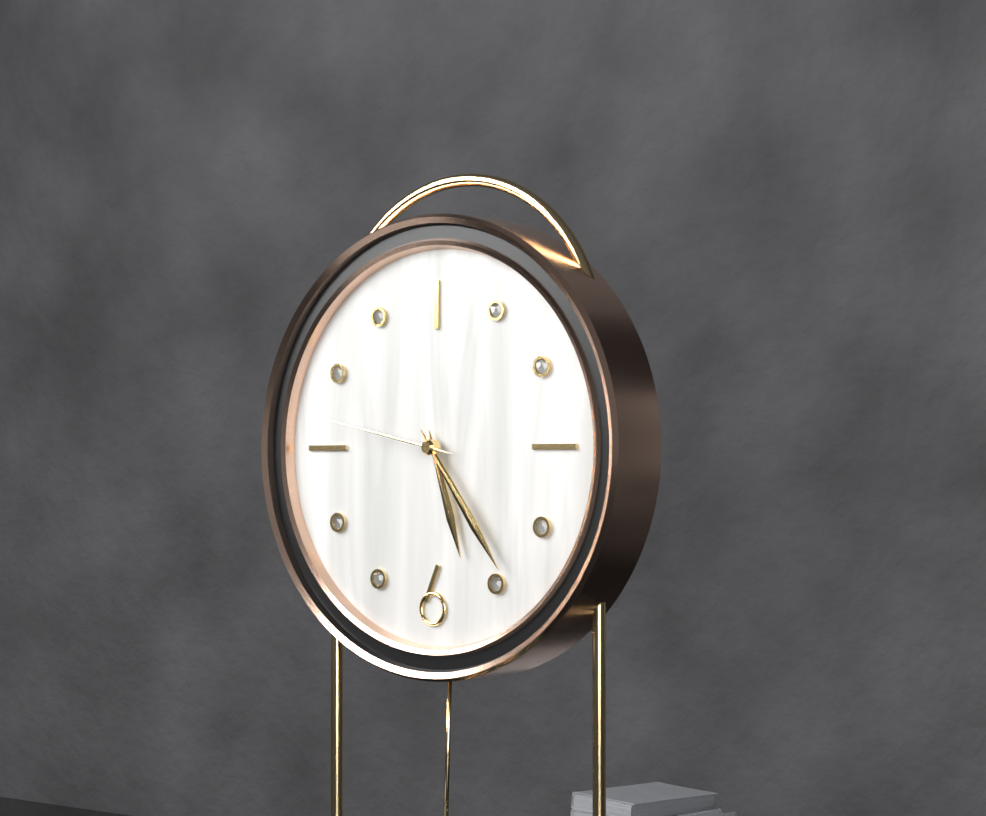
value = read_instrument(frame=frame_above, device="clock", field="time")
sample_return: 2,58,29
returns 5,24,47
